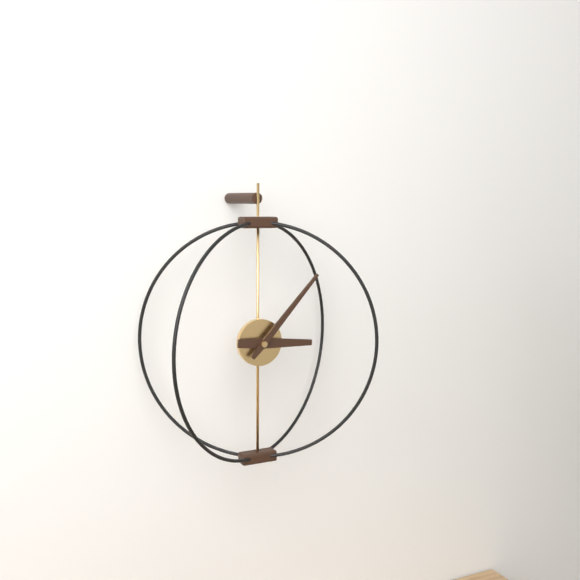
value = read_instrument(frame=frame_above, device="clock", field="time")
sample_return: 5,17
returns 3,07
